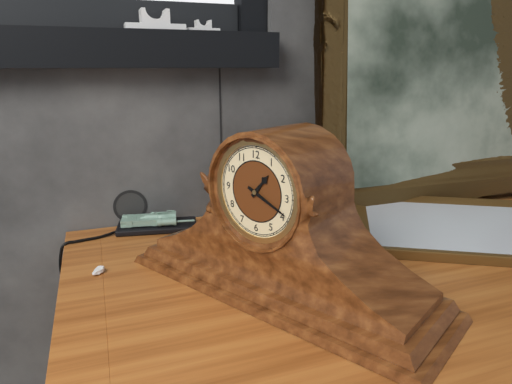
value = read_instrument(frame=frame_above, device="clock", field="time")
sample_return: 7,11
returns 1,19
